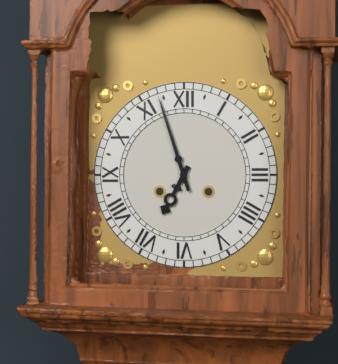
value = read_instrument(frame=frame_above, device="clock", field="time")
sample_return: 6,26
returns 6,57
